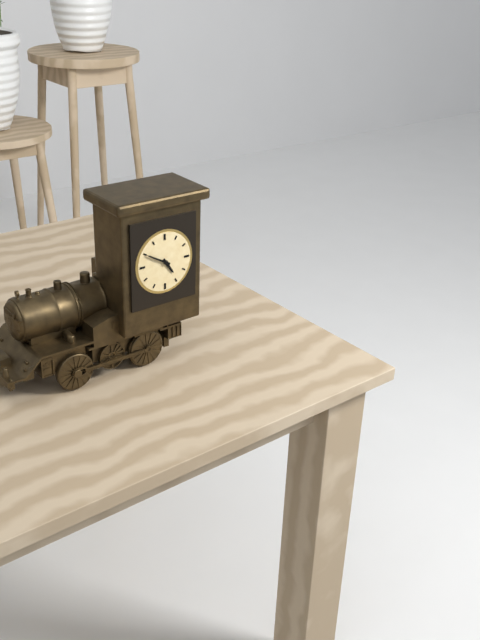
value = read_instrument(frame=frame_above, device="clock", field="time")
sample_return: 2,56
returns 4,50
